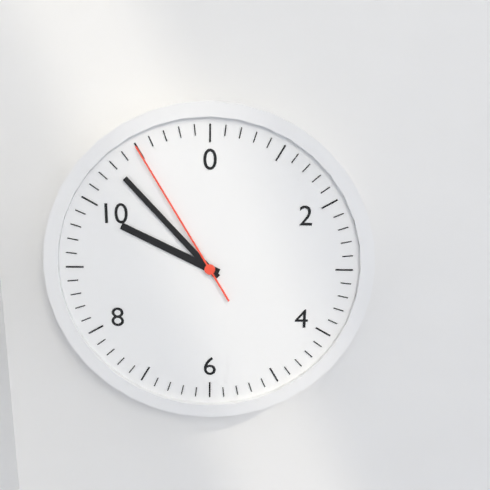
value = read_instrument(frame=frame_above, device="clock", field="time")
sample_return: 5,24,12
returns 9,53,55
